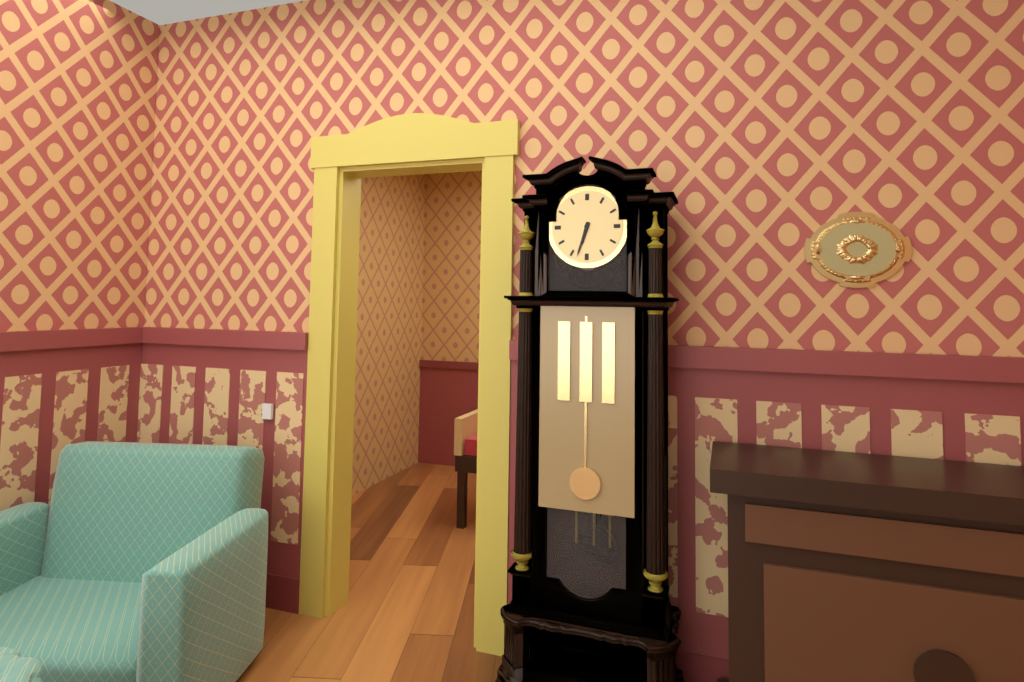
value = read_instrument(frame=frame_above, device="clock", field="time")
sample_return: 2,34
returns 6,33
